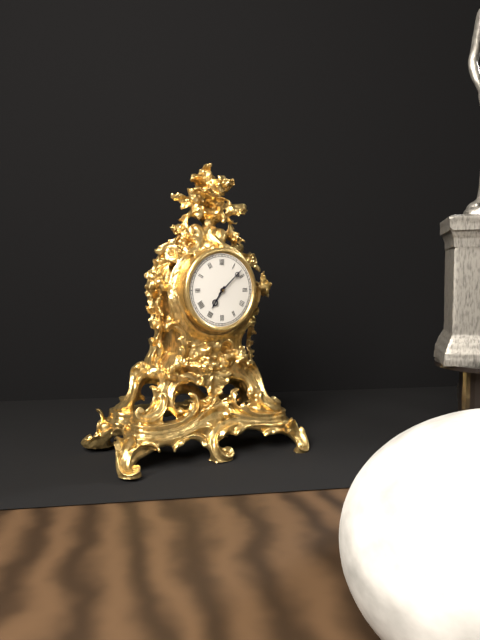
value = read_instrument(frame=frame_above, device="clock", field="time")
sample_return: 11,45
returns 7,08
